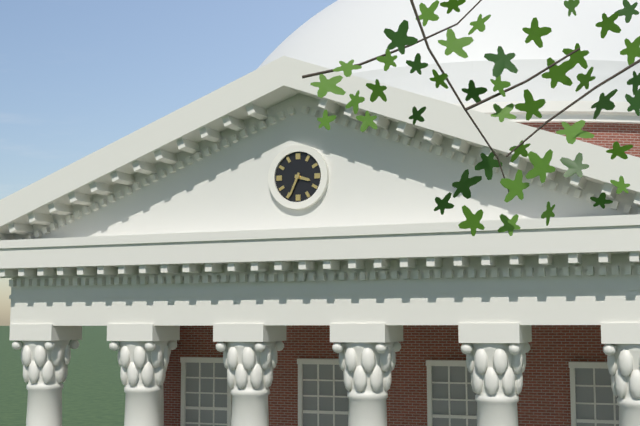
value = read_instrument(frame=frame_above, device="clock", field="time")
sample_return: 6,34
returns 3,34
